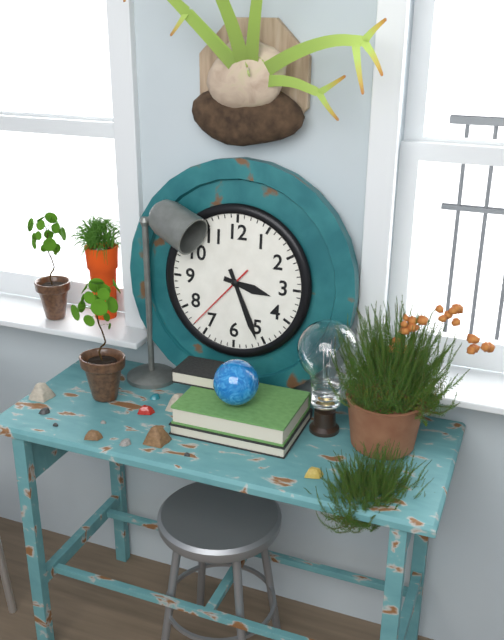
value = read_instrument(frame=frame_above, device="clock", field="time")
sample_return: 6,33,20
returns 3,26,37
